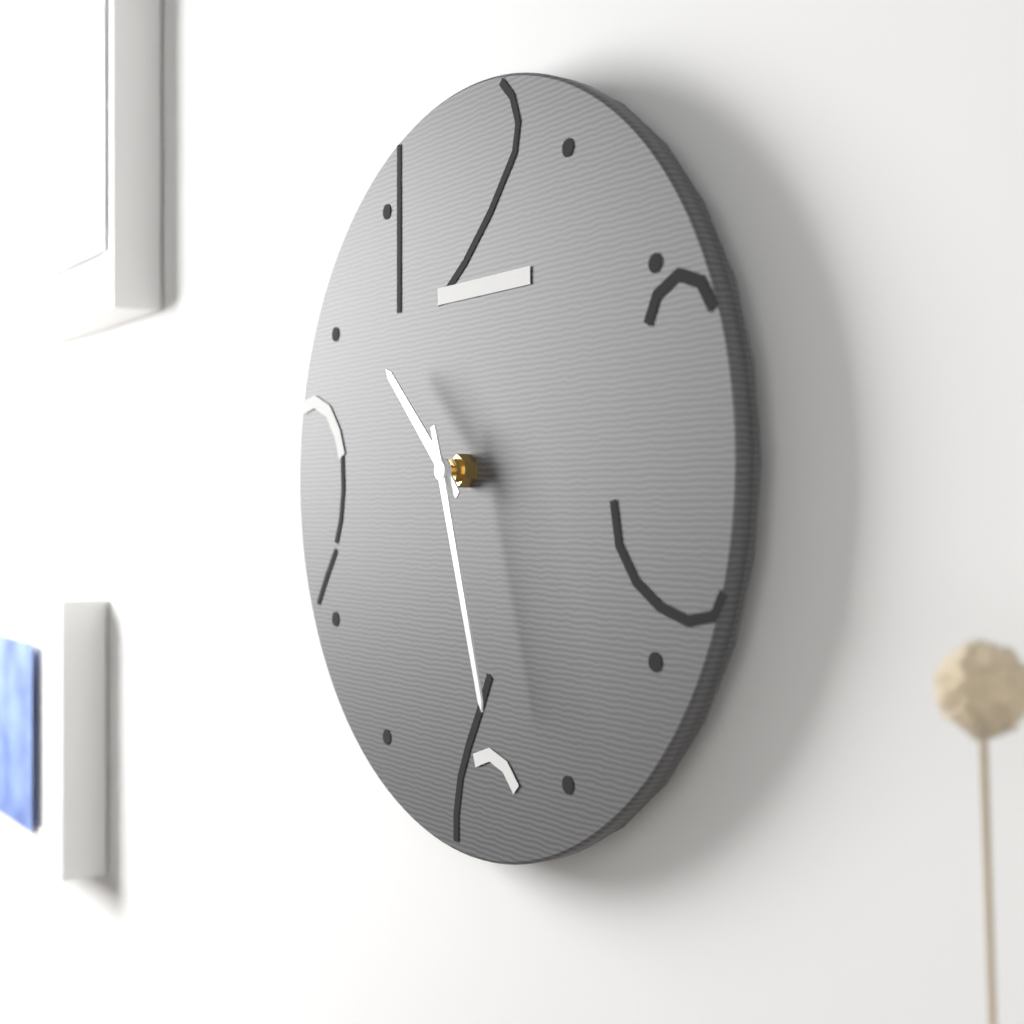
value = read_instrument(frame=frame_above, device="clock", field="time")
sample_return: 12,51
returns 10,27
